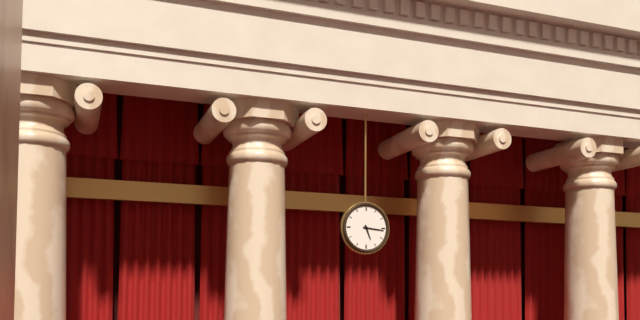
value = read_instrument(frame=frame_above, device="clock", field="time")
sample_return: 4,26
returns 5,16
